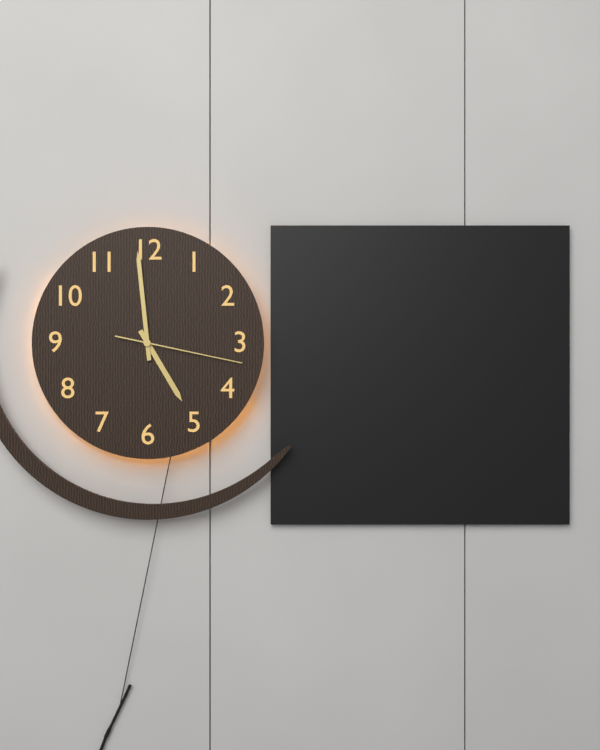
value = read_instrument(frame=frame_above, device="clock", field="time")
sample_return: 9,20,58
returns 4,59,17
